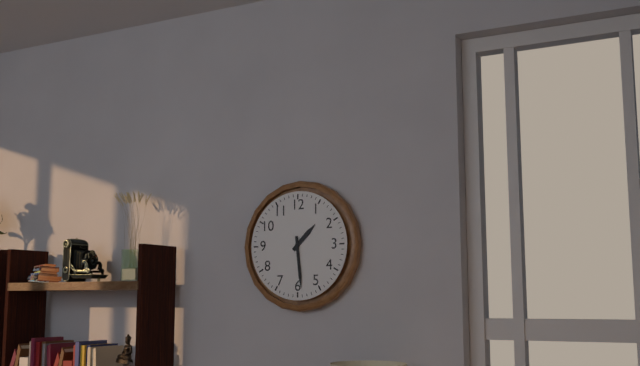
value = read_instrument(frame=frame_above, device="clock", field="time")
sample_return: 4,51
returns 1,29
